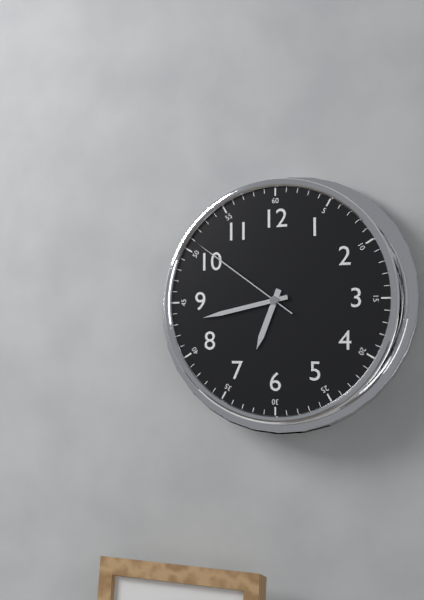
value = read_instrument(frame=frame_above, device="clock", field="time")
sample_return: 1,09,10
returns 6,43,51
